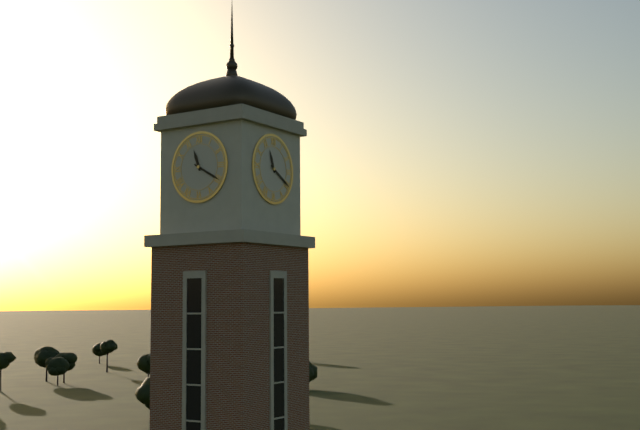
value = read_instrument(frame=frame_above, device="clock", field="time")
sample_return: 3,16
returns 11,20
